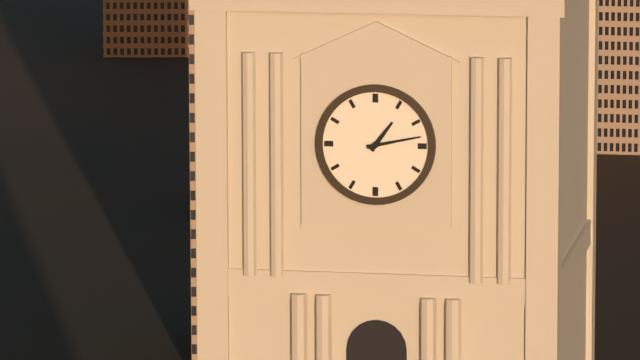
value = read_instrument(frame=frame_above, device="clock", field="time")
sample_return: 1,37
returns 1,13
